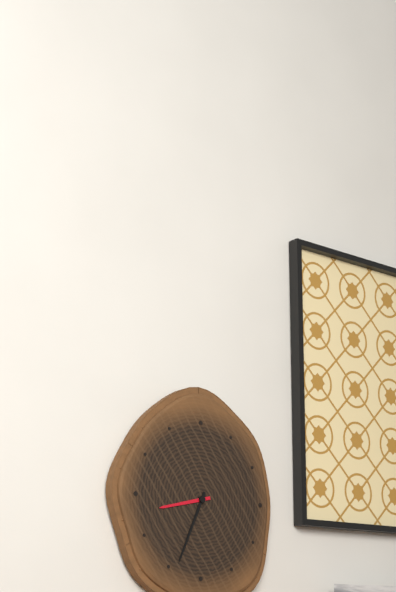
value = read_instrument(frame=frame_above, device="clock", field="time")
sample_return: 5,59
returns 8,34
